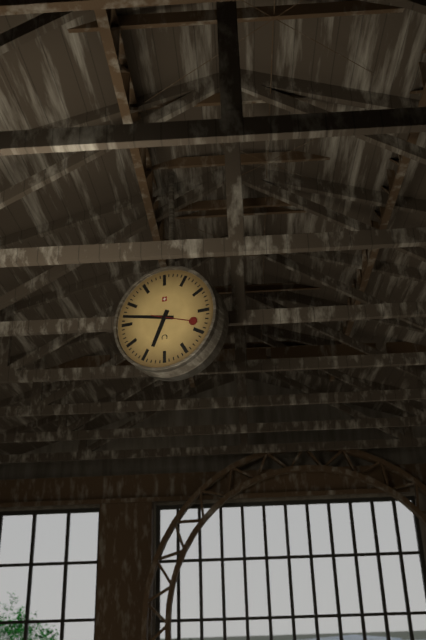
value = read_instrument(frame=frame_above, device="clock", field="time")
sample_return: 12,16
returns 6,47
